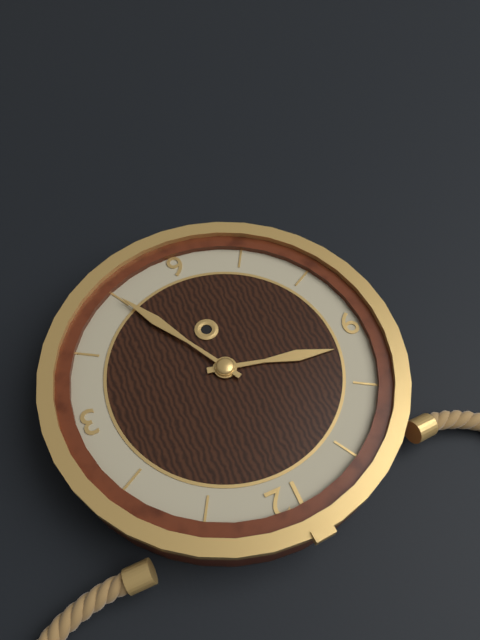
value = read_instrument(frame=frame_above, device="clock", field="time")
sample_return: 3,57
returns 9,25
